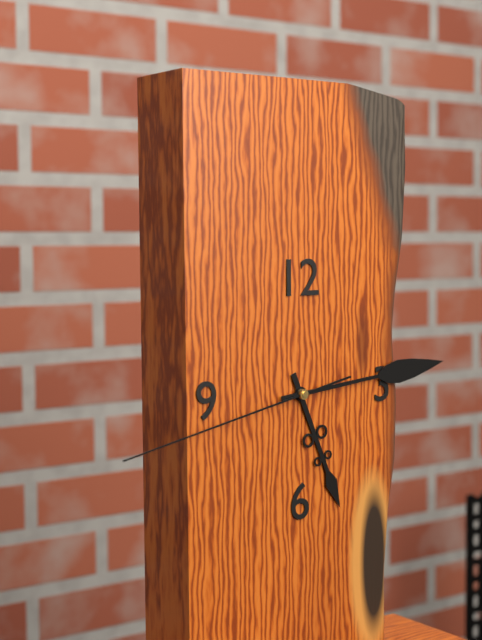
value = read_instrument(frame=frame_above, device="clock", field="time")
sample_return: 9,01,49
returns 5,14,43
